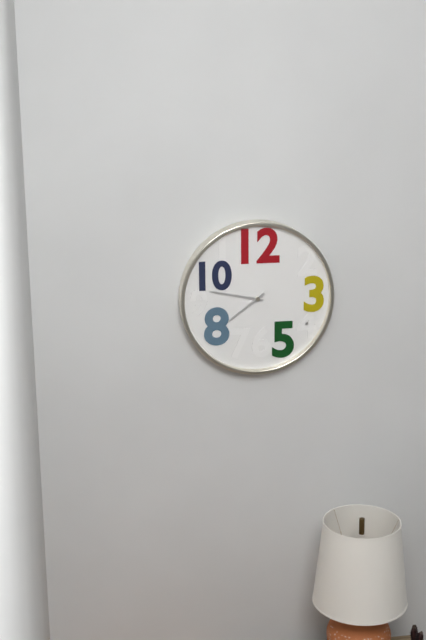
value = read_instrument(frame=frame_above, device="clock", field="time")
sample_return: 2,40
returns 7,47
